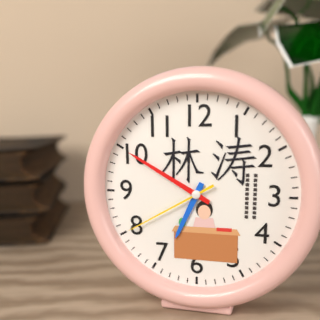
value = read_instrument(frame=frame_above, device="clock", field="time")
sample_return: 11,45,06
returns 6,50,40
